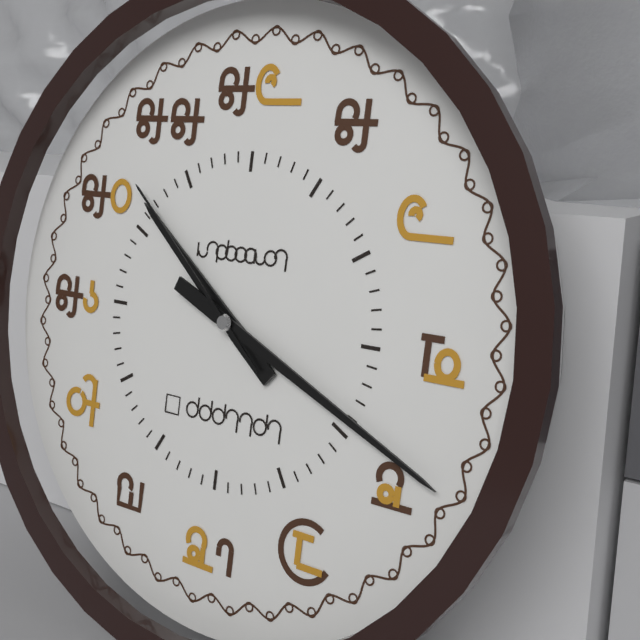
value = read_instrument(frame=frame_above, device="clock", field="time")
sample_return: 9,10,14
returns 10,19,52
